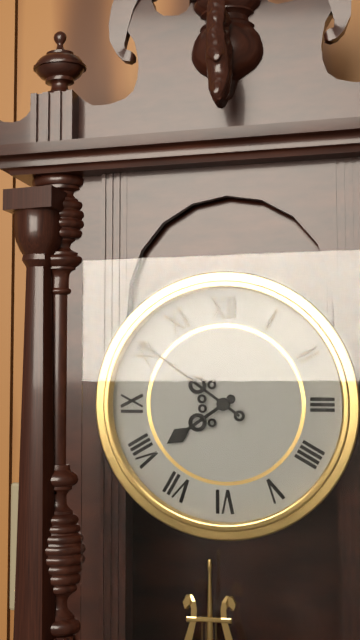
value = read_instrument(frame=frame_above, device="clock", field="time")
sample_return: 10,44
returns 7,51
